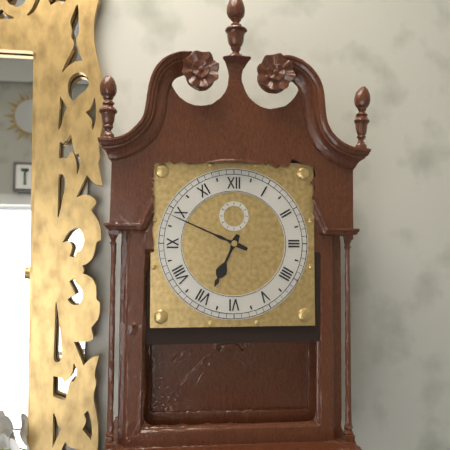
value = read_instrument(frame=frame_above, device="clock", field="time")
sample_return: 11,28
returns 6,49
